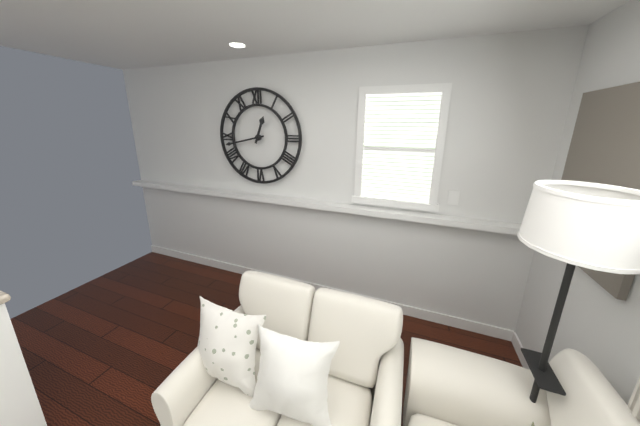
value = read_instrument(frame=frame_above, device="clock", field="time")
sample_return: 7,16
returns 12,43
